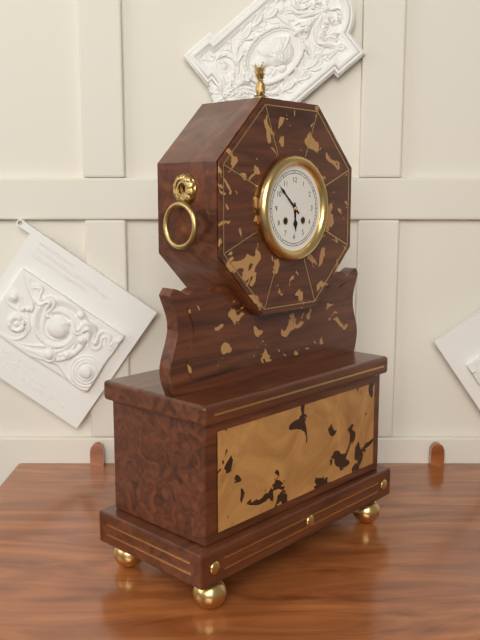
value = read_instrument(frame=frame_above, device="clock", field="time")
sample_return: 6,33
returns 5,52
